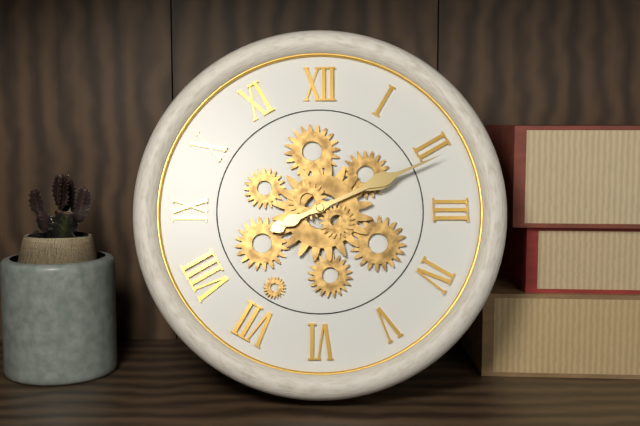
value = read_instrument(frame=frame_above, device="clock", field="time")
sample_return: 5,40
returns 2,11
